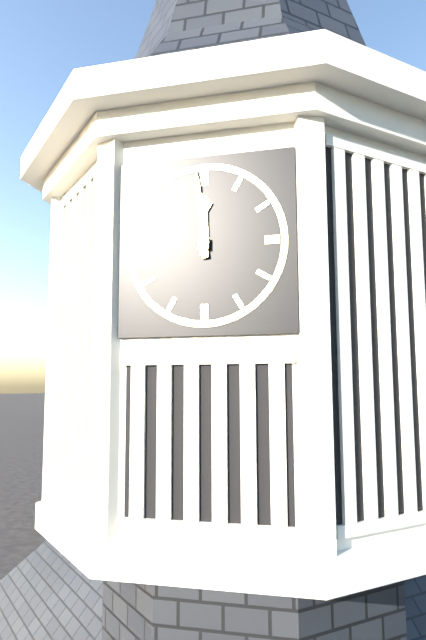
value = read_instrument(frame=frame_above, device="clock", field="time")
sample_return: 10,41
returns 11,59
